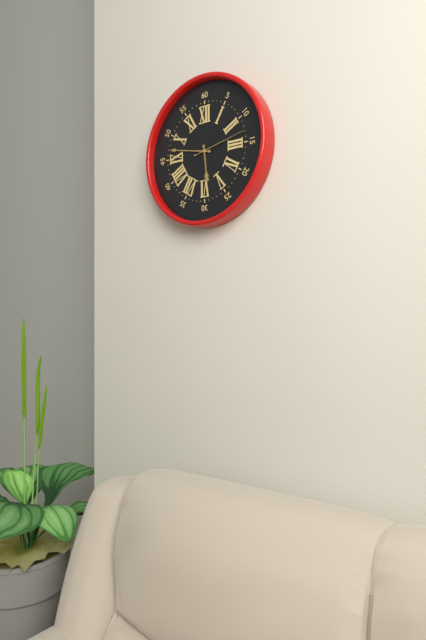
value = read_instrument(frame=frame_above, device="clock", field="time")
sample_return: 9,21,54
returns 5,47,13
